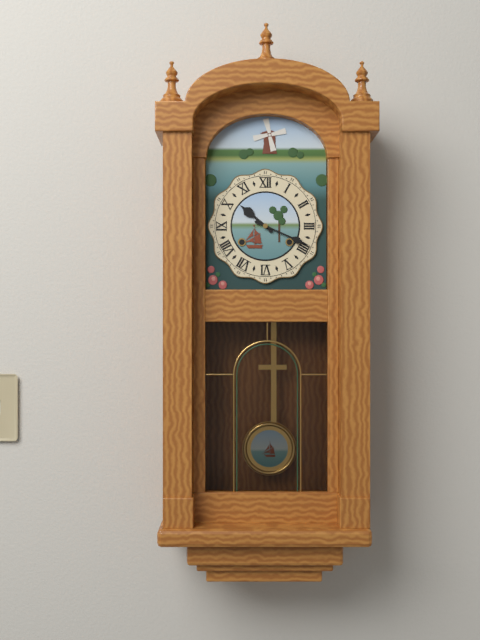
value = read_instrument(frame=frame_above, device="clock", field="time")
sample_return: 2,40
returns 10,19
